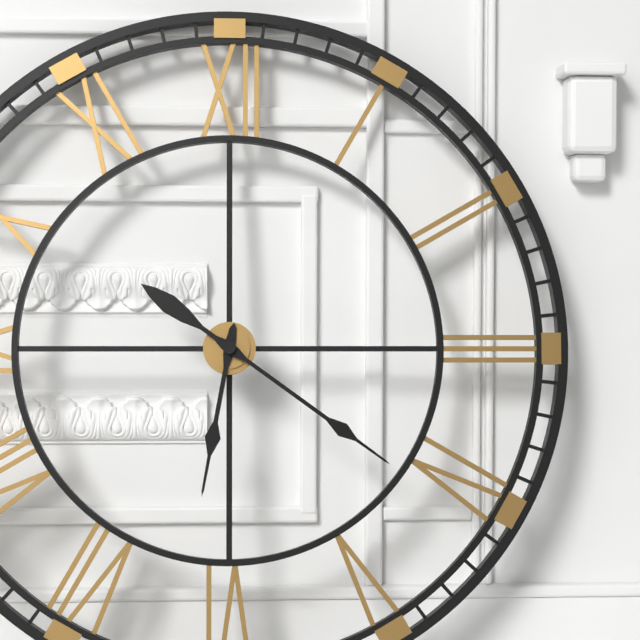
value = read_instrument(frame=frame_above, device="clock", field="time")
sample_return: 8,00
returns 6,21
